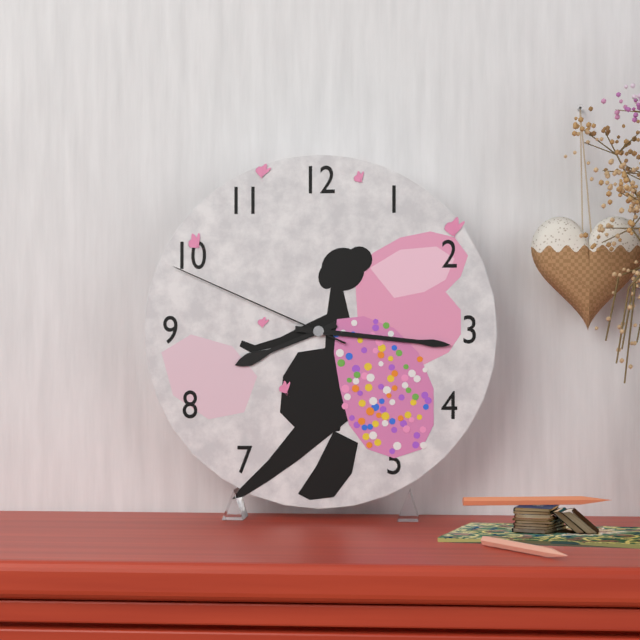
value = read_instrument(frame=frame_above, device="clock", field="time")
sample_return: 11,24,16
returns 8,16,49
